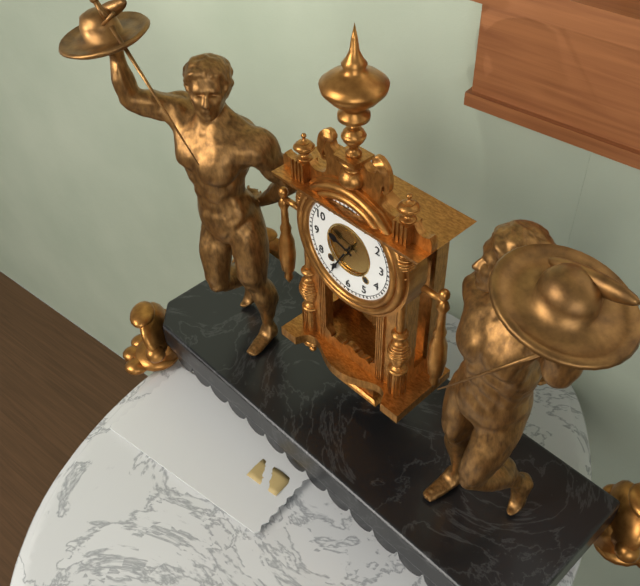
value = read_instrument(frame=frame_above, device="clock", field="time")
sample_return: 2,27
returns 9,35
